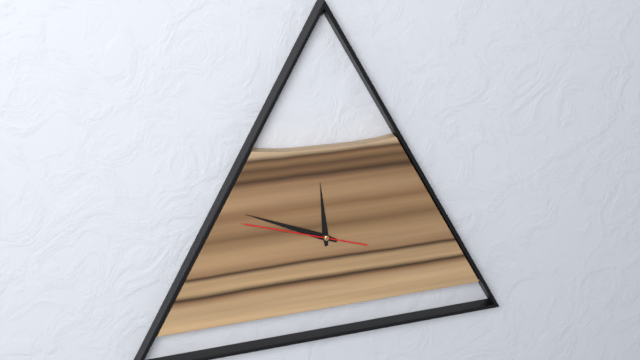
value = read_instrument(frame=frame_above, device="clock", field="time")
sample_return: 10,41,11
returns 11,49,48
